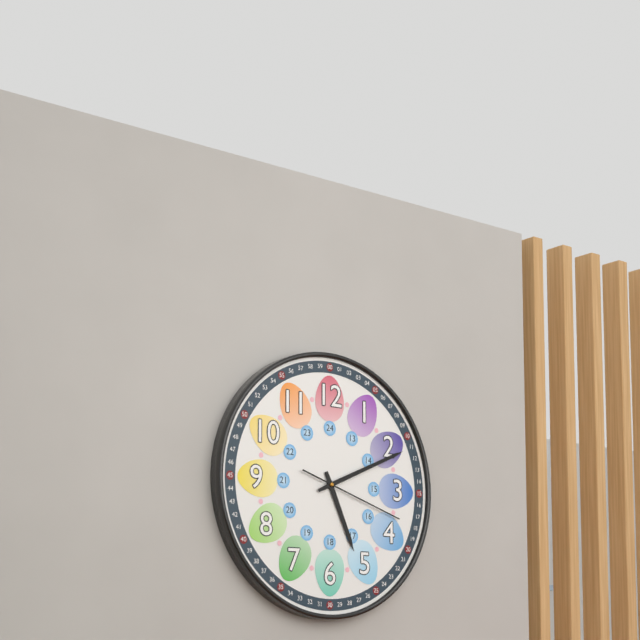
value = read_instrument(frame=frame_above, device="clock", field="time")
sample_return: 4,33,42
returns 5,11,18
